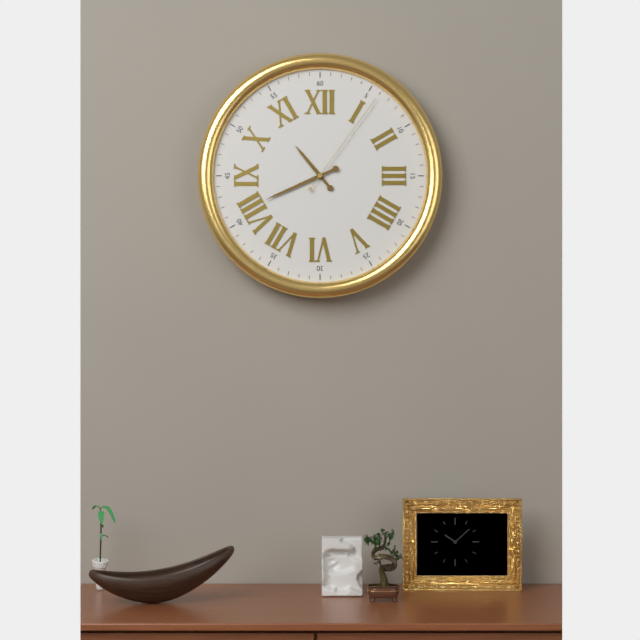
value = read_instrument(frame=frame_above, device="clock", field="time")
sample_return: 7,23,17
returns 10,41,06
